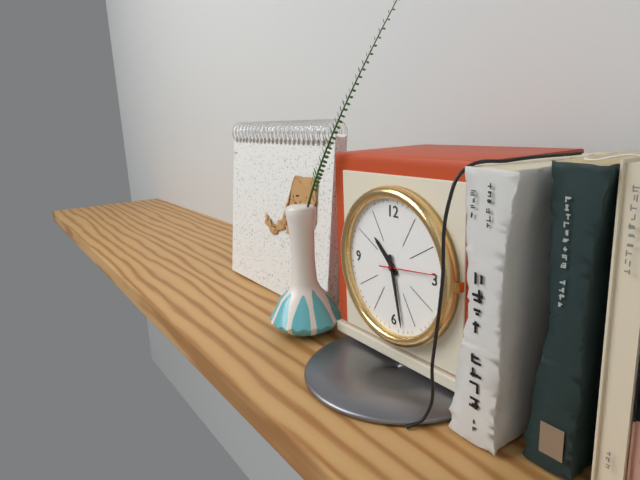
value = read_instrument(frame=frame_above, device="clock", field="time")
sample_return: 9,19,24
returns 10,28,14
